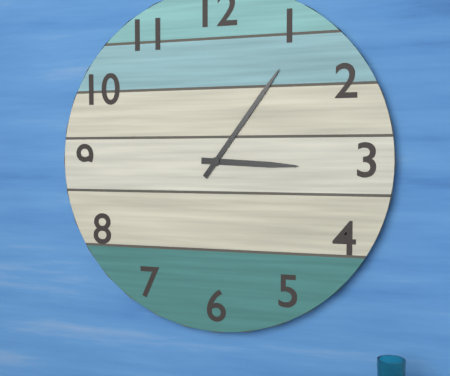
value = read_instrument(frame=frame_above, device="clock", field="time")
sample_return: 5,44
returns 3,06
